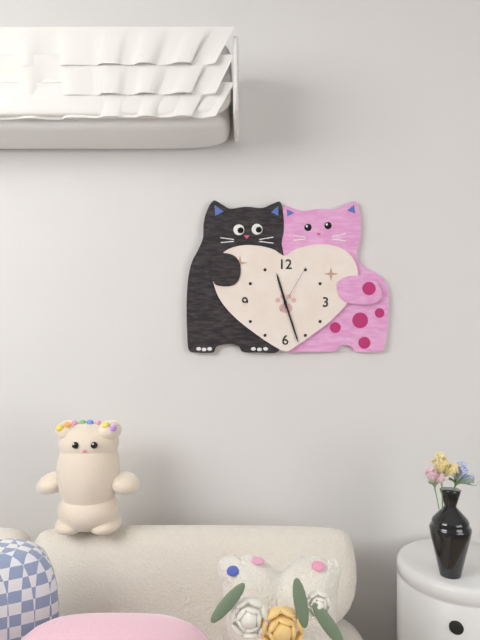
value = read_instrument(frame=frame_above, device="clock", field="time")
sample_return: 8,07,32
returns 11,27,05
